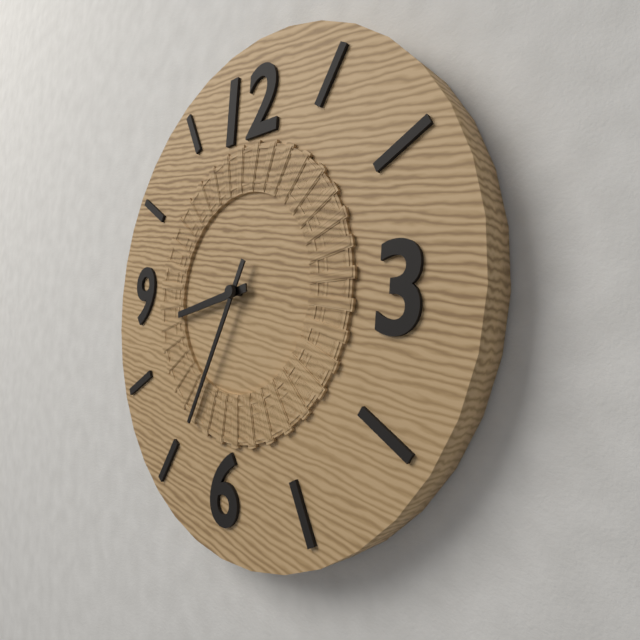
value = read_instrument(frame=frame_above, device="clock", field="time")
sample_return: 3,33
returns 8,34
